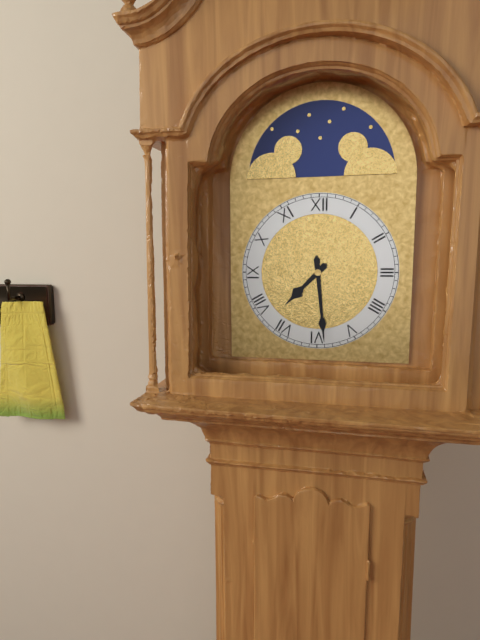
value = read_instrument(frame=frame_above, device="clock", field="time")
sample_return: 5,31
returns 7,29
